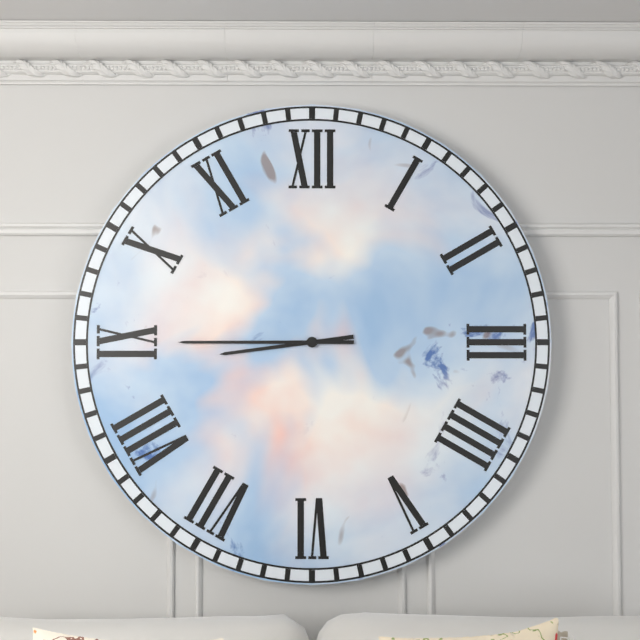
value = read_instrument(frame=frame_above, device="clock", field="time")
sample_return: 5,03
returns 8,45
